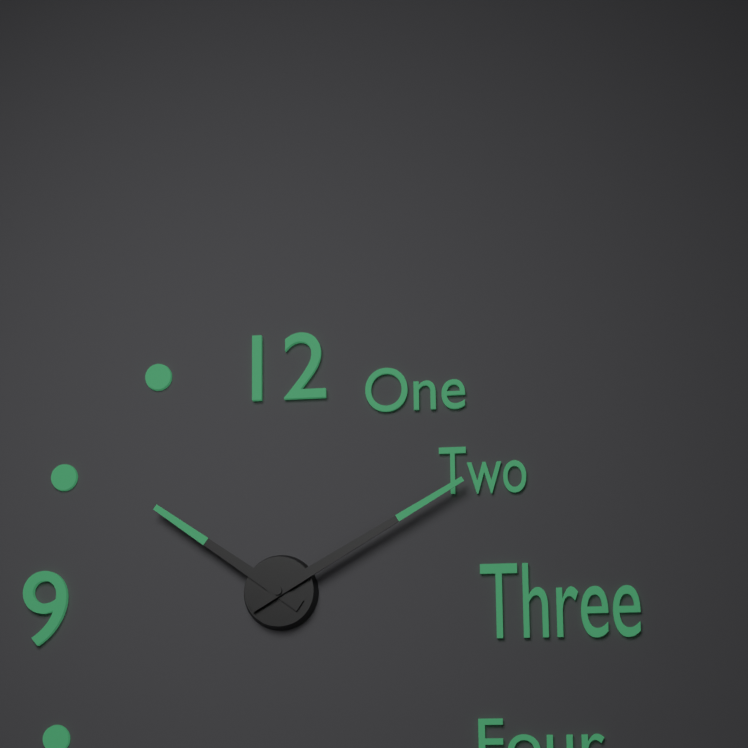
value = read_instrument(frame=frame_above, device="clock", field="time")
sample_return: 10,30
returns 10,10
